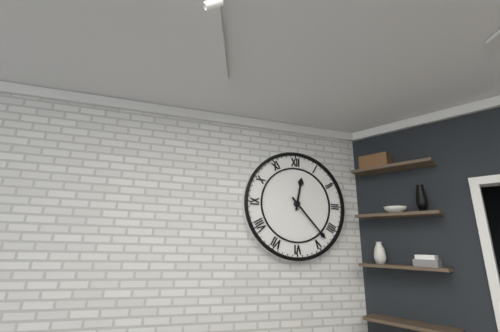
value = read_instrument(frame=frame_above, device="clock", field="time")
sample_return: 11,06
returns 12,23
